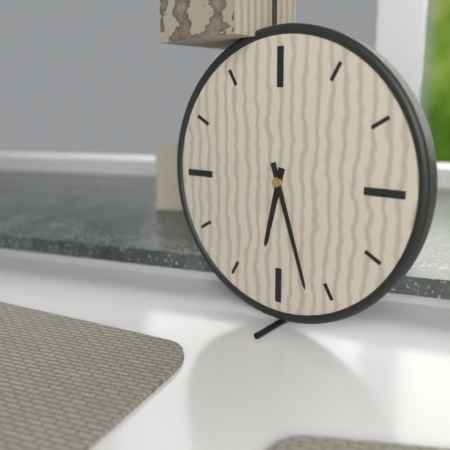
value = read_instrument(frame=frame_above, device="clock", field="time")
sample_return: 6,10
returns 6,27
